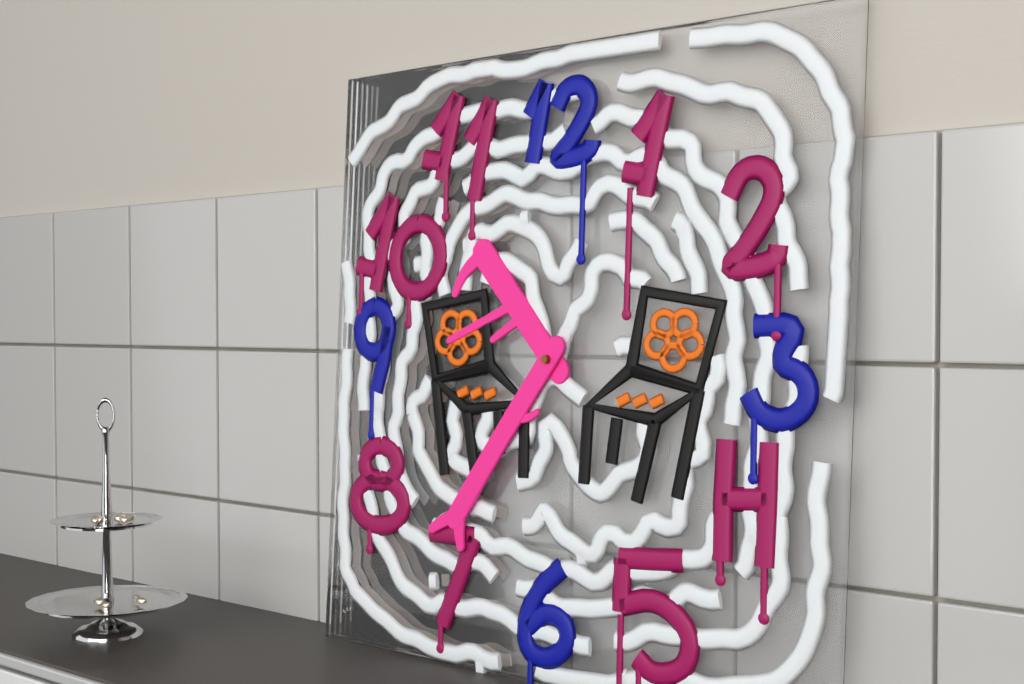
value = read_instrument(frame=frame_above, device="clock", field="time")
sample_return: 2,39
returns 10,36
